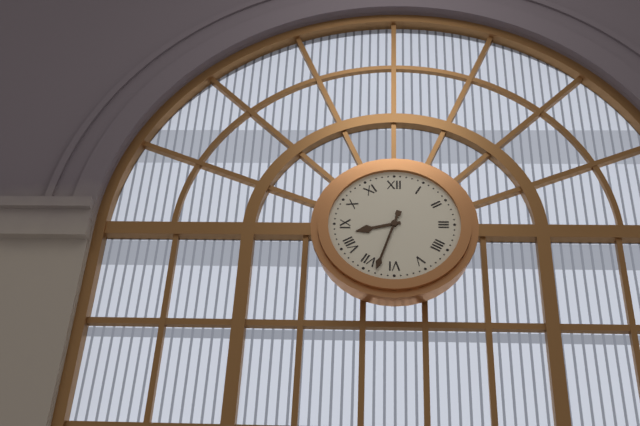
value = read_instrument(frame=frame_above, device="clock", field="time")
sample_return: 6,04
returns 8,33
